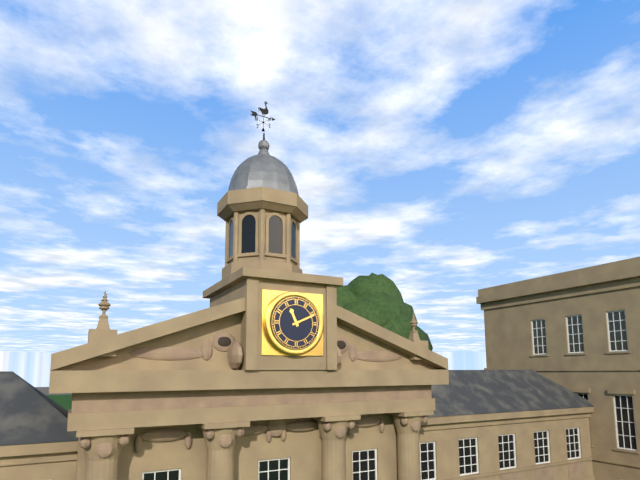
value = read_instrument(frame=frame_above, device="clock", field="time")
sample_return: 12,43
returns 11,11
